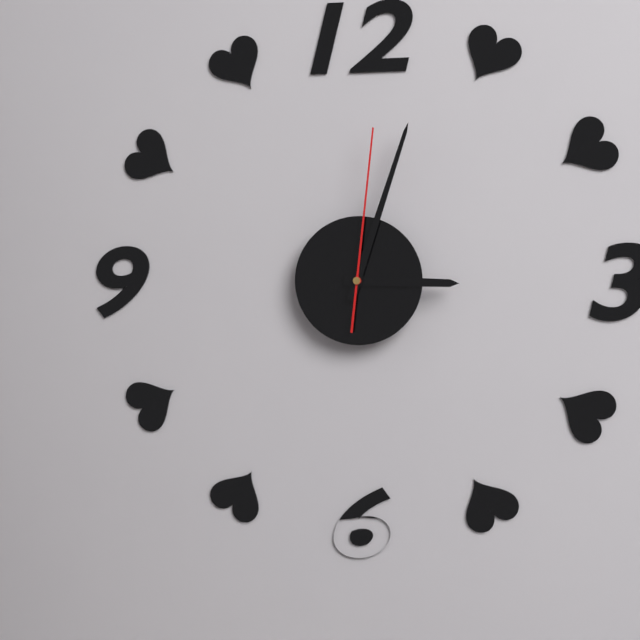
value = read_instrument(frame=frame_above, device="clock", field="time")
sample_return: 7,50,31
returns 3,03,01
